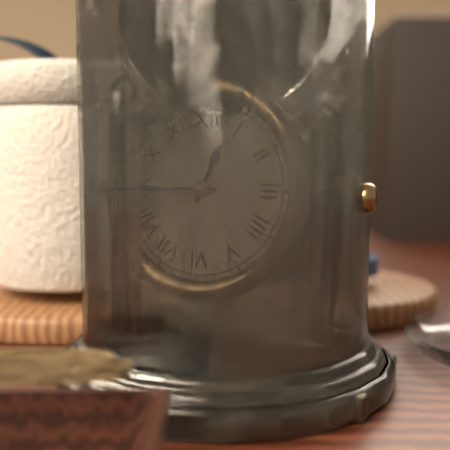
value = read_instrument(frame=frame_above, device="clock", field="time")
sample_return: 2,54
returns 12,45
